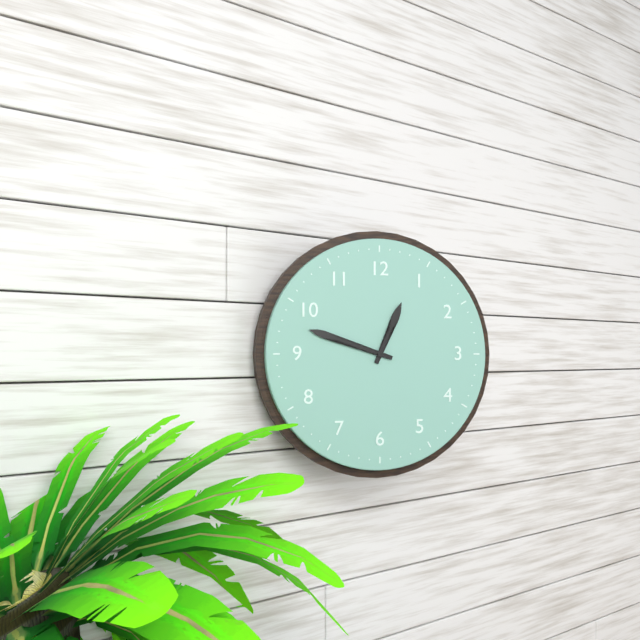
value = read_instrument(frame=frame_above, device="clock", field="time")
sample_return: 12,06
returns 12,48
